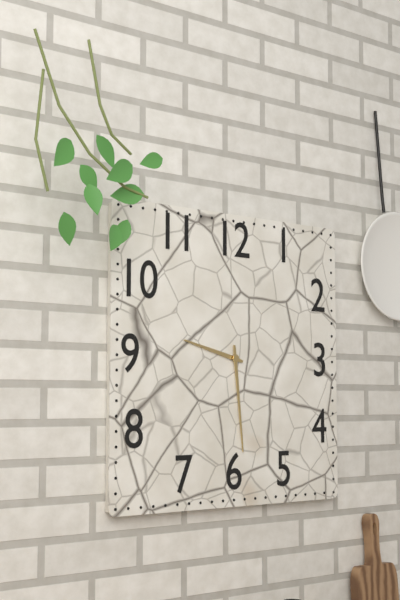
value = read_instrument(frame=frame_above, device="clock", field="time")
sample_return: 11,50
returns 9,29
